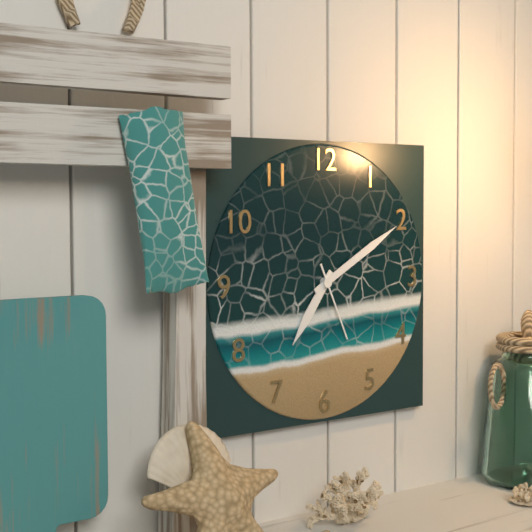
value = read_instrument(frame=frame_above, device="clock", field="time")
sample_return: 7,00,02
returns 7,10,26
